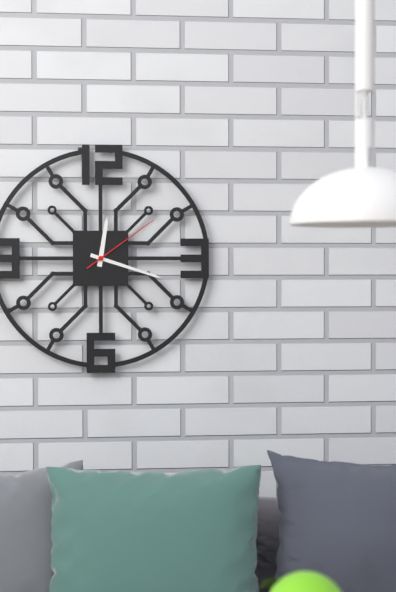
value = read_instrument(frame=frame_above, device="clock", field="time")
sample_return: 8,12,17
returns 12,18,09
